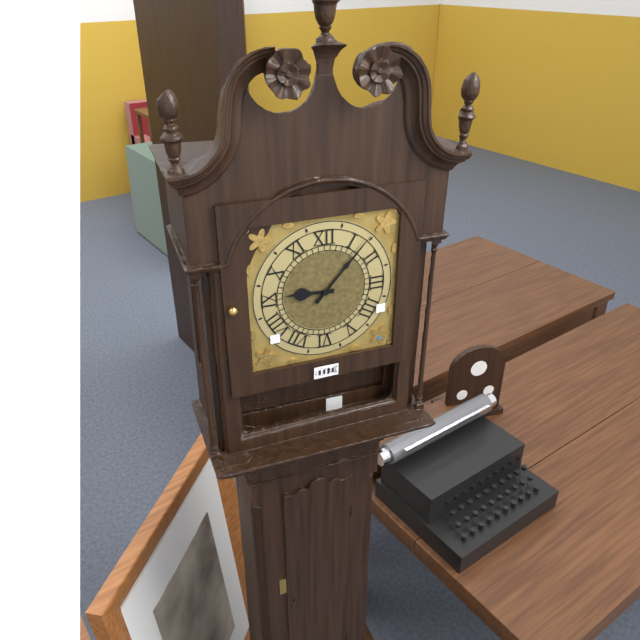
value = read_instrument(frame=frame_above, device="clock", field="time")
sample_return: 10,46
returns 9,07
